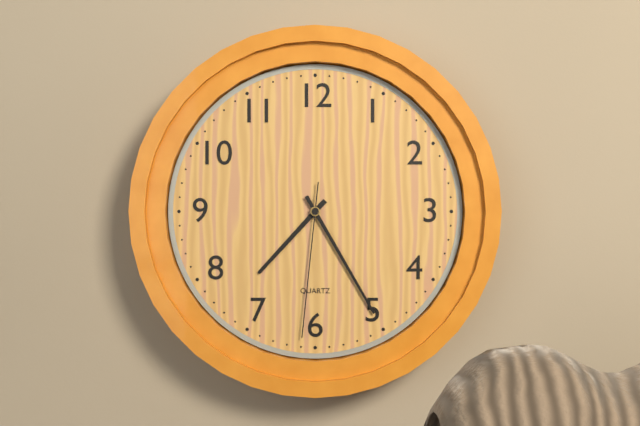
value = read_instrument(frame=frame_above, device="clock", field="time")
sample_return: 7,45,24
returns 7,25,31
